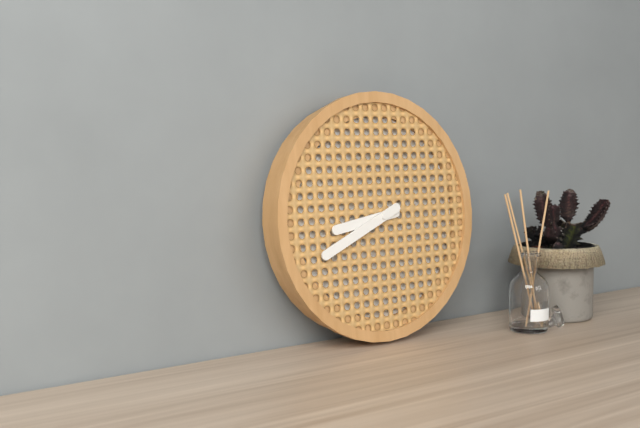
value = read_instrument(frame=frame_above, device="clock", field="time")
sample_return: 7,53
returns 8,41
